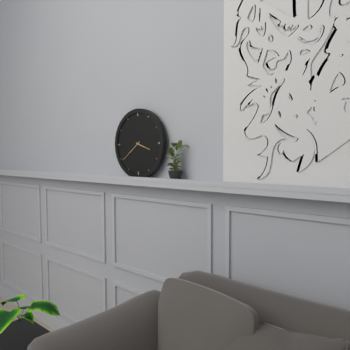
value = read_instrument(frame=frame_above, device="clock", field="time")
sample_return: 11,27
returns 3,39
